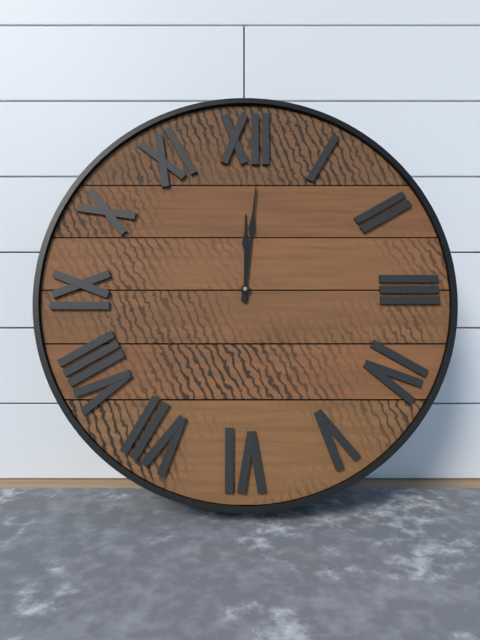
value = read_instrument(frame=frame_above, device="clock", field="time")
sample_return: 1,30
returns 12,01
